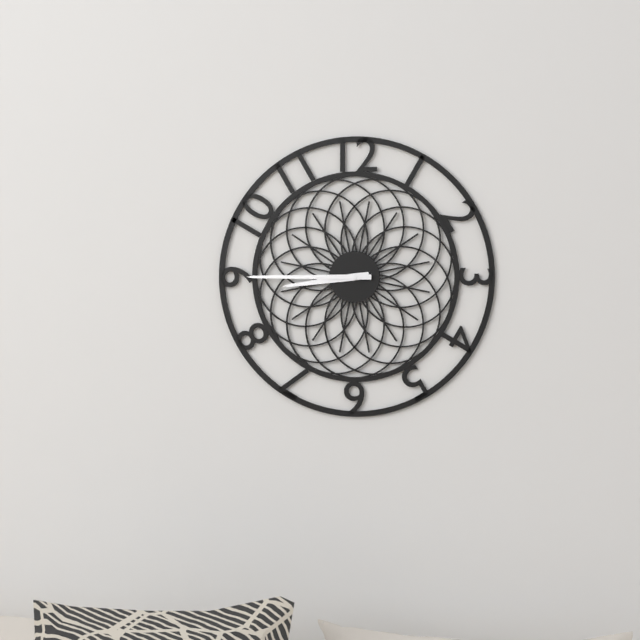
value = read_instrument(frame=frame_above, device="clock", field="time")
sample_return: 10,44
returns 8,45
